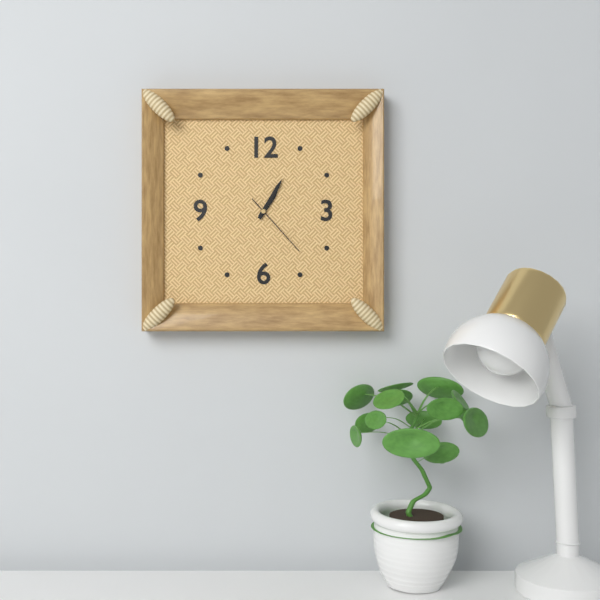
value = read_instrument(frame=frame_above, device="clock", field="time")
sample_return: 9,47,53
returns 1,05,23
